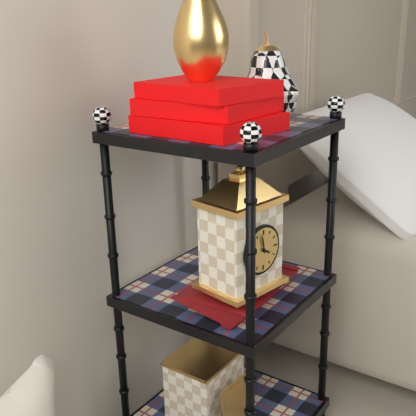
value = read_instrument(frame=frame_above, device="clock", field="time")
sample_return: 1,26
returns 3,58
